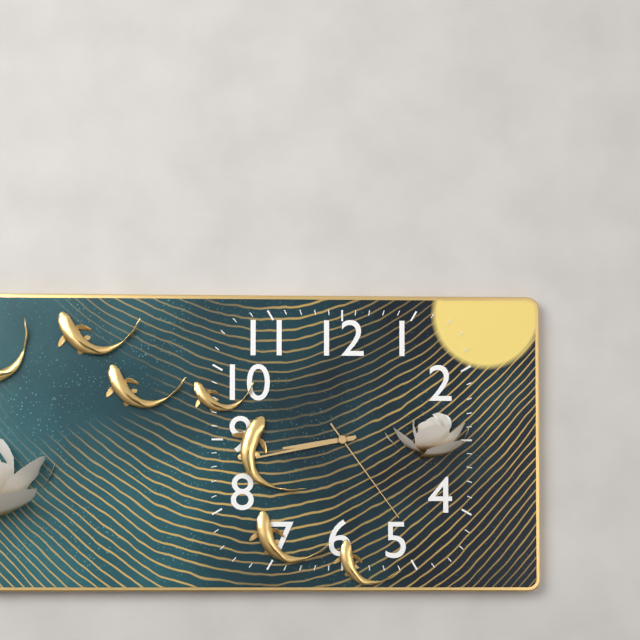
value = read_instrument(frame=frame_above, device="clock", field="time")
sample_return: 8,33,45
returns 8,43,24
